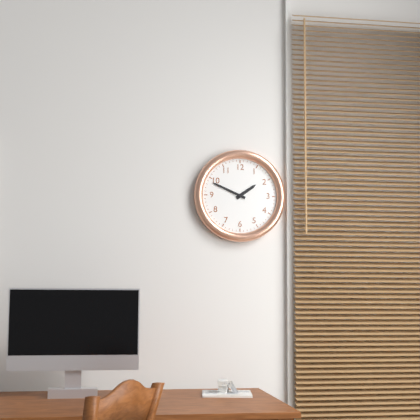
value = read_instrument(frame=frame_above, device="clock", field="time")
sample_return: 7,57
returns 1,49
